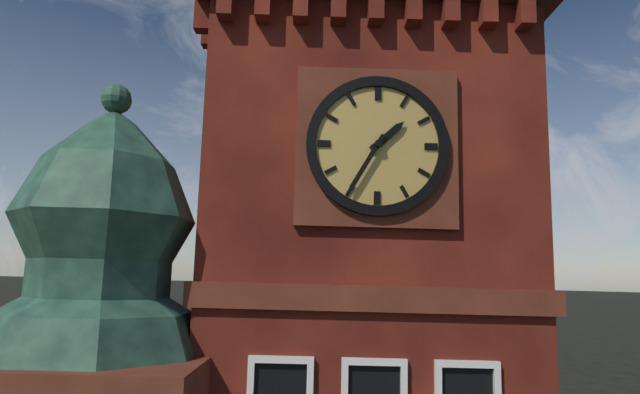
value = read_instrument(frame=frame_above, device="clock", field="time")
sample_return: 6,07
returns 1,35
